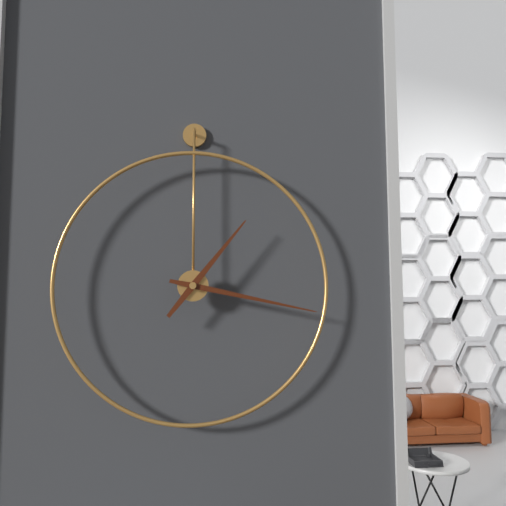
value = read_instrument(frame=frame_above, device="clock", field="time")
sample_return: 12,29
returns 1,17
